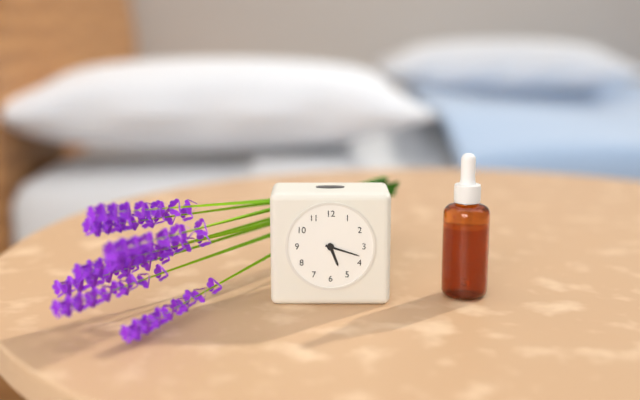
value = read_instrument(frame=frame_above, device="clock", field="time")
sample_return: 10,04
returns 5,18
